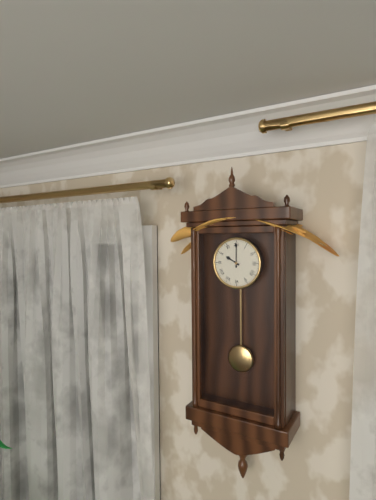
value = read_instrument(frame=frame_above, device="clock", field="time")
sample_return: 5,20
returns 10,00
